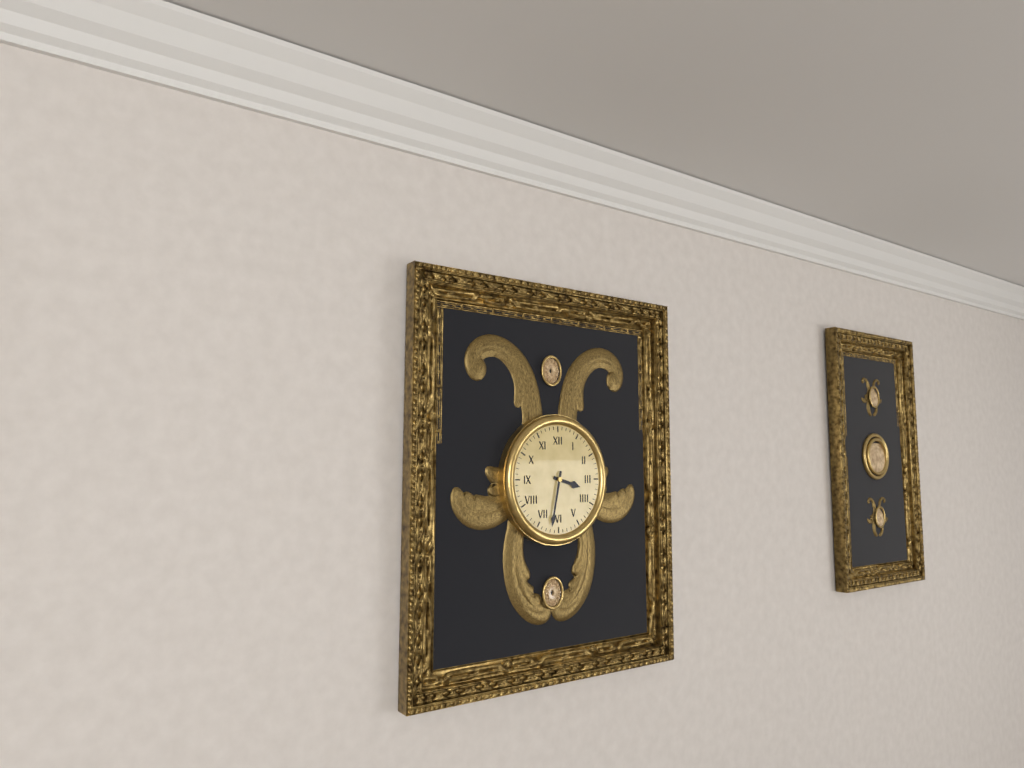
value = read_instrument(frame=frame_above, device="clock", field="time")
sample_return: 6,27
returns 3,32
